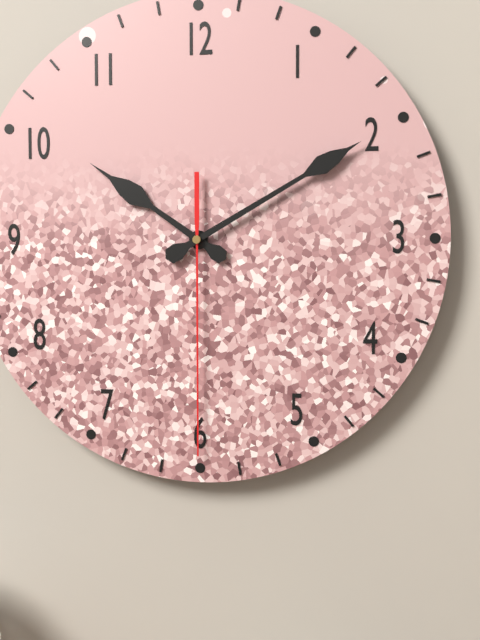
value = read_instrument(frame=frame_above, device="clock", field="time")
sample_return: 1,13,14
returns 10,10,30
